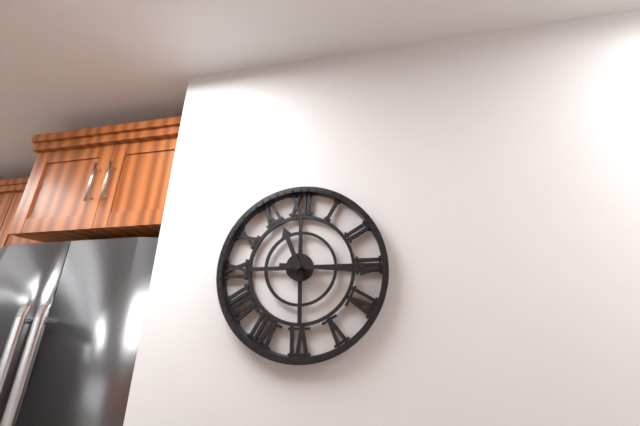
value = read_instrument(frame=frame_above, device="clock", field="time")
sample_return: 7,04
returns 11,16
